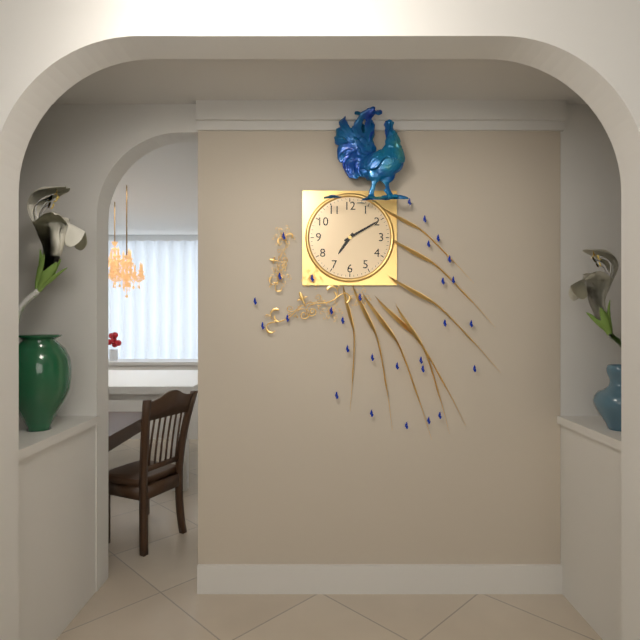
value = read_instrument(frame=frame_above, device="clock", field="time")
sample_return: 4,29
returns 7,10
